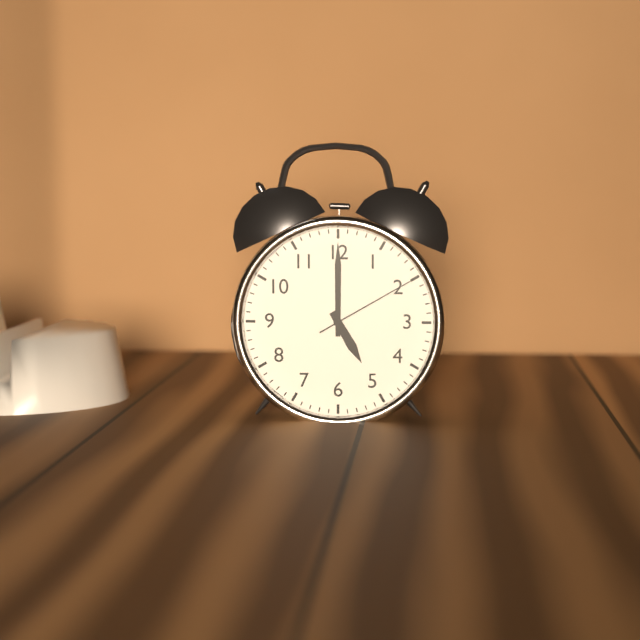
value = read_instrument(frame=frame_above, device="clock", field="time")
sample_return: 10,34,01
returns 5,00,10
